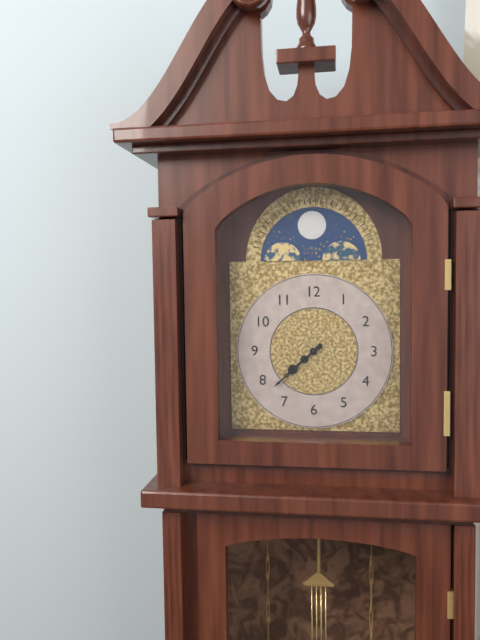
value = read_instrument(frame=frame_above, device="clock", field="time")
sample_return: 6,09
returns 7,38
